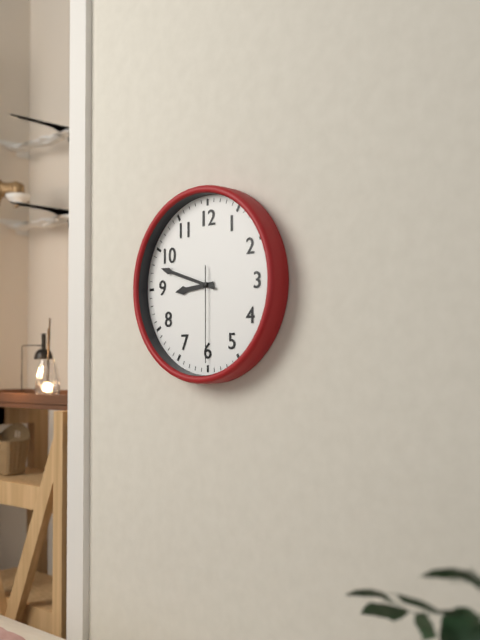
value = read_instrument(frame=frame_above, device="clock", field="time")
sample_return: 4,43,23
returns 8,48,30
